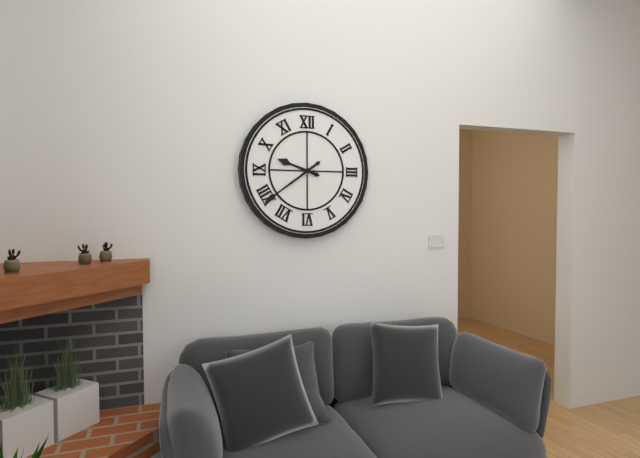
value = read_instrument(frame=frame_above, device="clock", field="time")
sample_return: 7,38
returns 9,39
